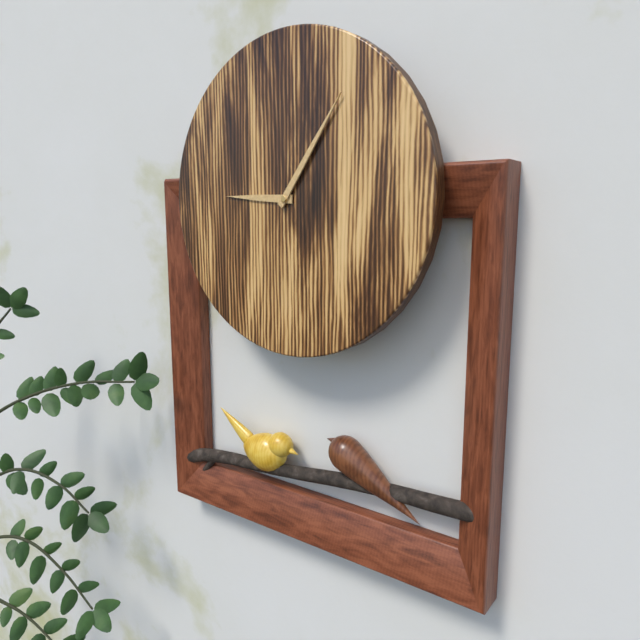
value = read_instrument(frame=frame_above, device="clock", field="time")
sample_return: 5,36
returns 9,06
